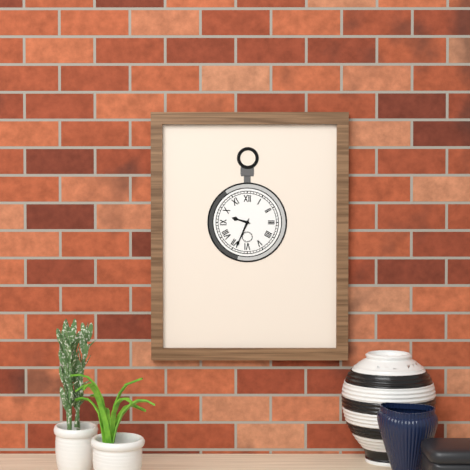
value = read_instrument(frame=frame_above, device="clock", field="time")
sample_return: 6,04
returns 9,34
